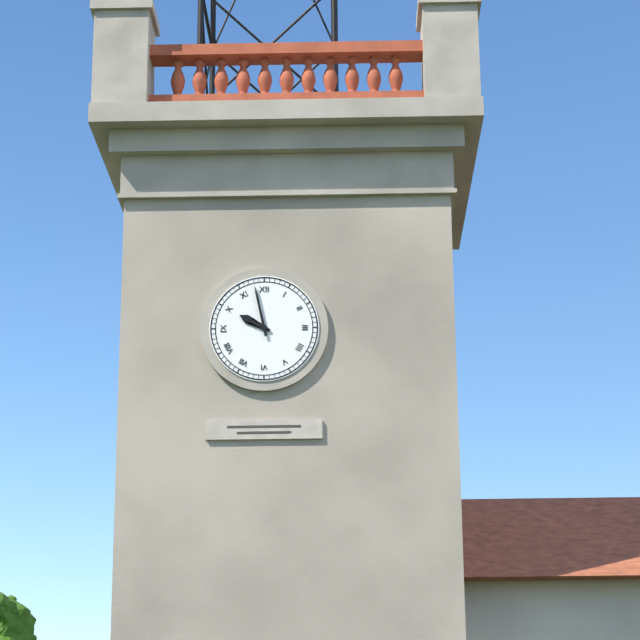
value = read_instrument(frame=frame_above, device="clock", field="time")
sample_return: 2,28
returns 9,58
